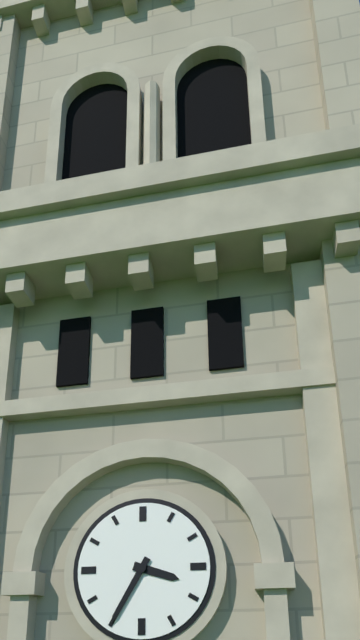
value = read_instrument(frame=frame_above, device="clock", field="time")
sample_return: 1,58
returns 3,35
